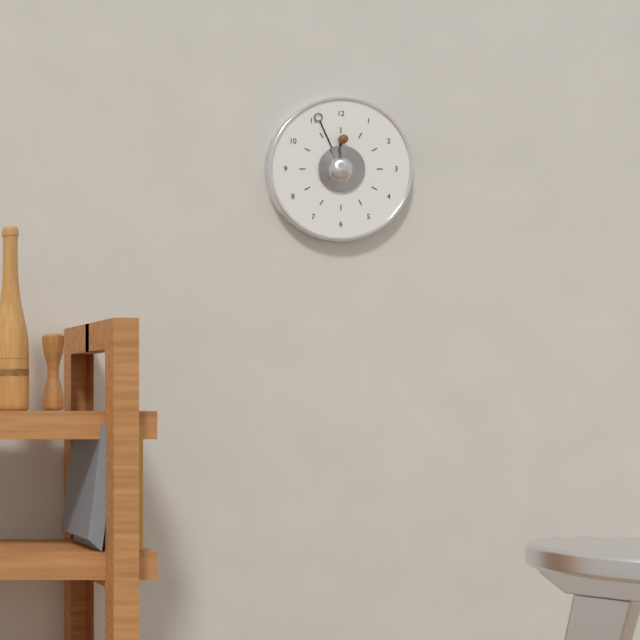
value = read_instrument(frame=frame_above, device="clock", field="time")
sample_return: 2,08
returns 11,56
